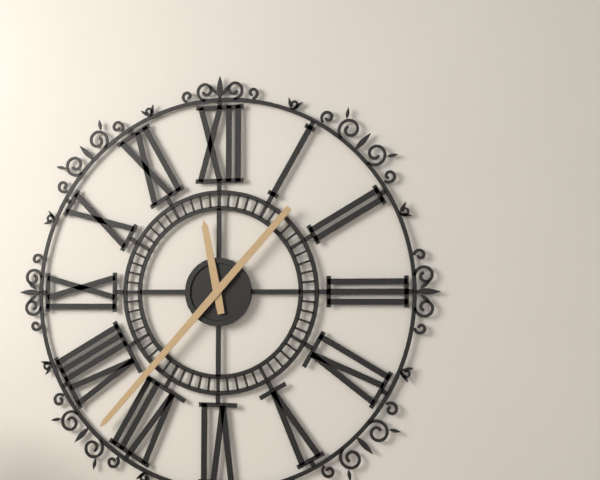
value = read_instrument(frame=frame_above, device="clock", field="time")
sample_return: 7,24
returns 11,37
